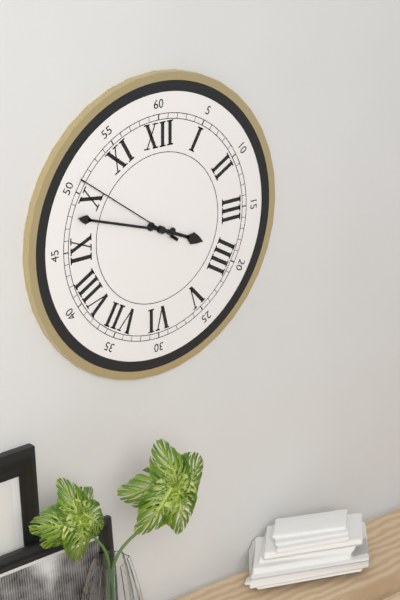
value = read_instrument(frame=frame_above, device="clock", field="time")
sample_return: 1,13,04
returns 3,48,51
